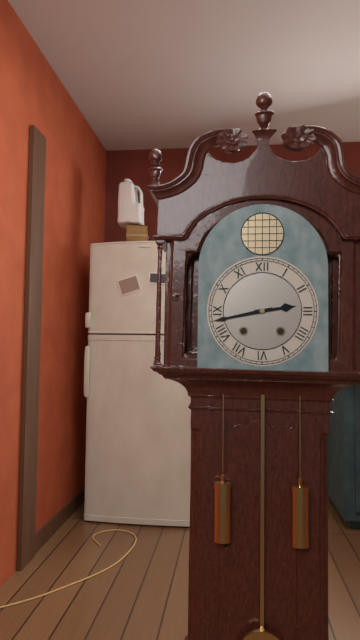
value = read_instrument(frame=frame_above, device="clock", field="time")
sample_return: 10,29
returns 2,43
